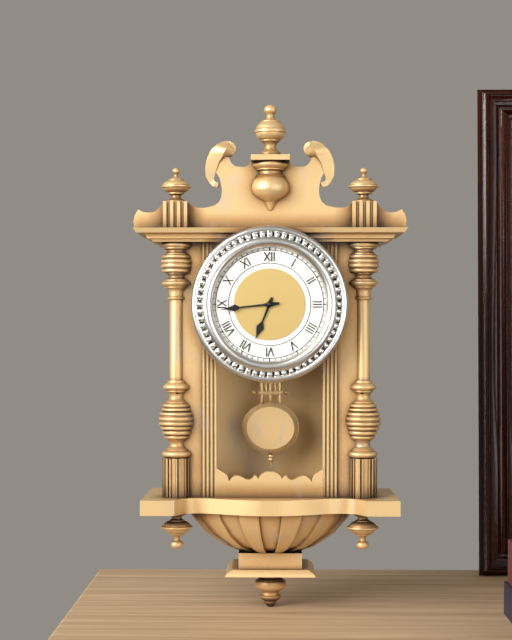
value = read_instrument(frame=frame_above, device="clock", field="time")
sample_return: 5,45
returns 6,44
